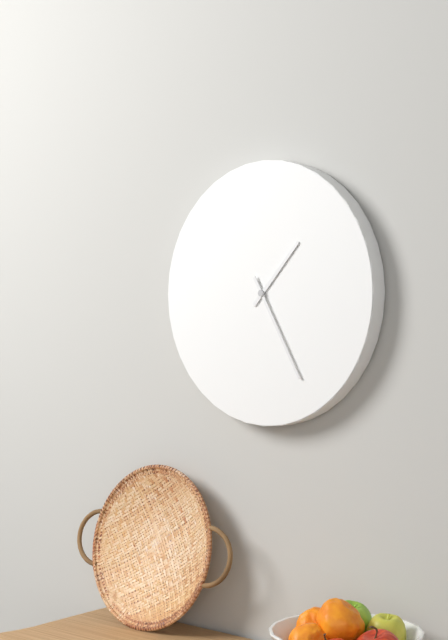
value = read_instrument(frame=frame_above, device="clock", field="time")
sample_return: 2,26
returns 1,25
